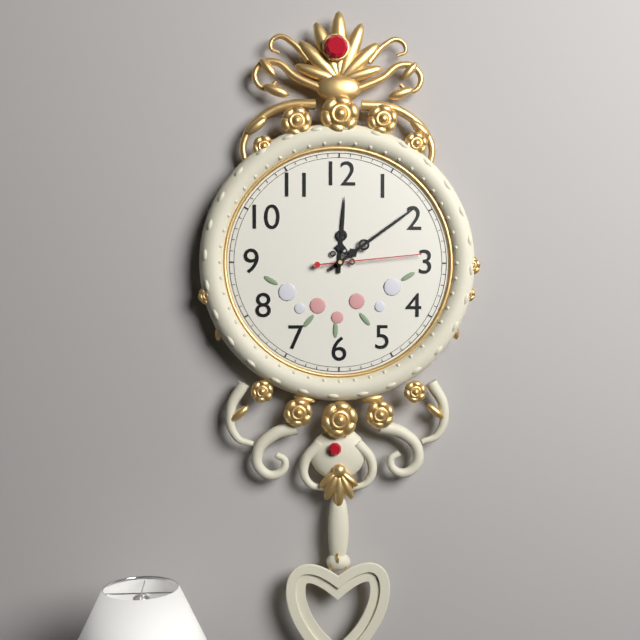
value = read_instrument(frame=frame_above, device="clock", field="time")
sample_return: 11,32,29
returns 12,09,14
